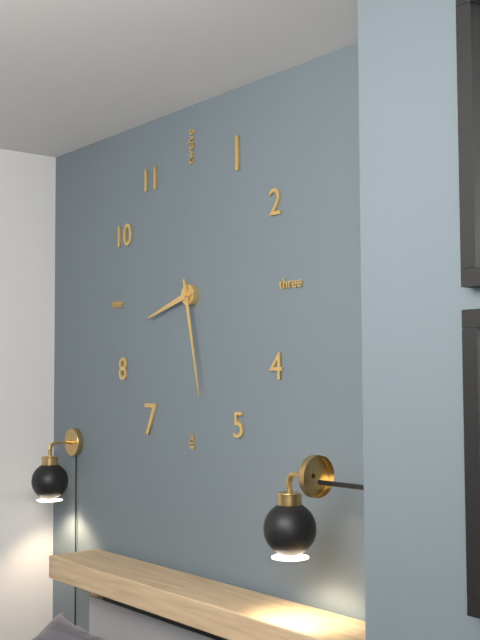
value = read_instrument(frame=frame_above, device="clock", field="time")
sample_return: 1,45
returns 8,28
